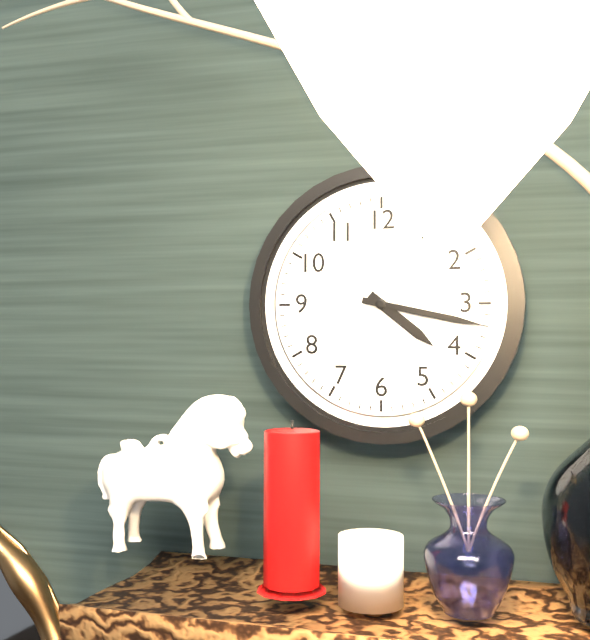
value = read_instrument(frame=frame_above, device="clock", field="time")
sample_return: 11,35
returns 4,17
